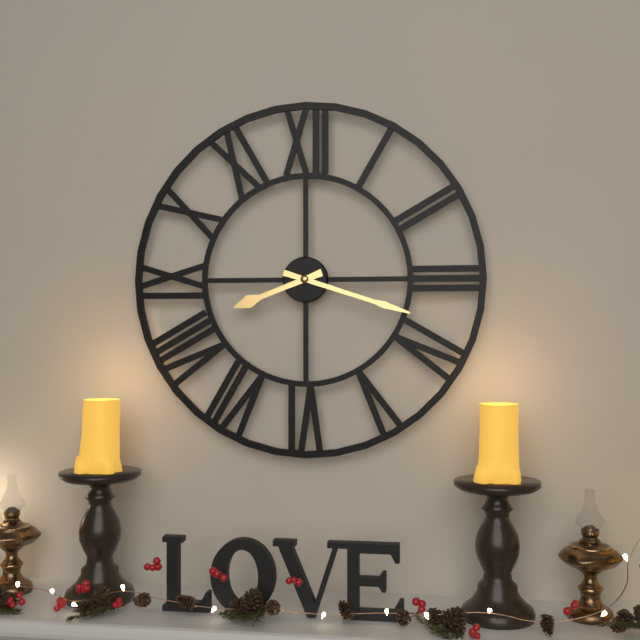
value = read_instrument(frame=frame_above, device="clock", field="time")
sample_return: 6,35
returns 8,18
